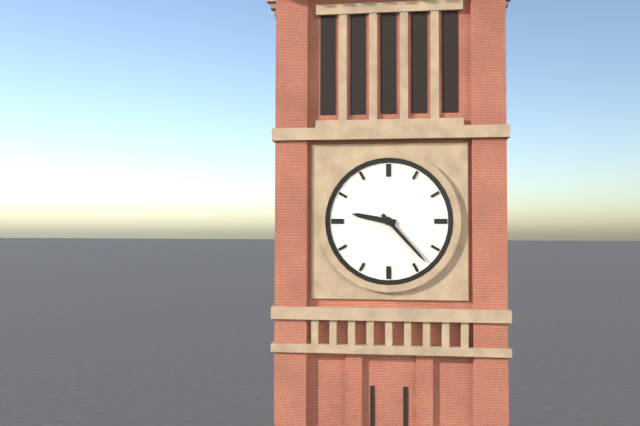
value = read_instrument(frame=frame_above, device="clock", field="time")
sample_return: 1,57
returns 9,23
